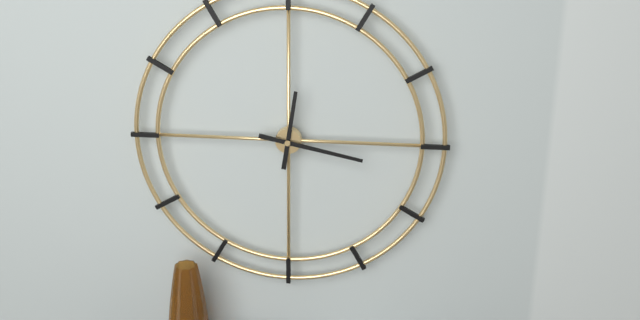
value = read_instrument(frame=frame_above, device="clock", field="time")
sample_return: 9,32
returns 12,17
